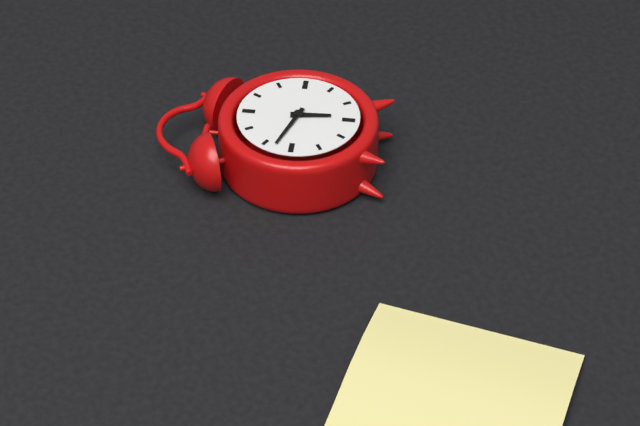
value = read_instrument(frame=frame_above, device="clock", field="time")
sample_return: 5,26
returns 5,48
